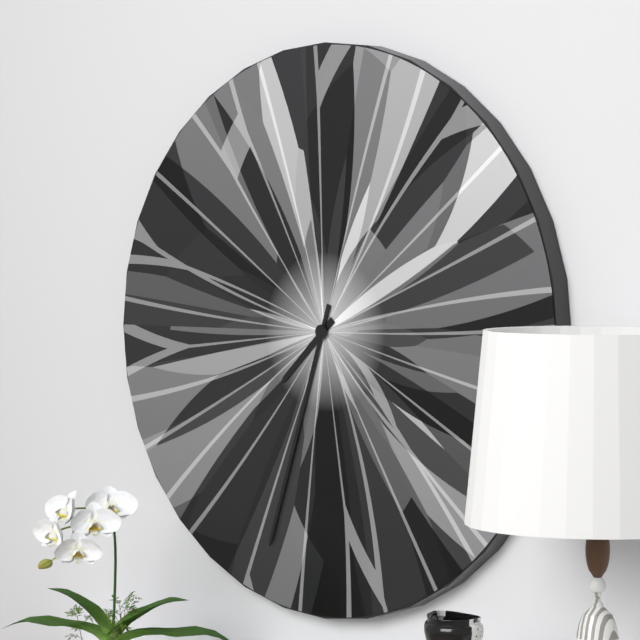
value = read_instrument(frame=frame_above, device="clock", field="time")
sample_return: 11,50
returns 7,33
